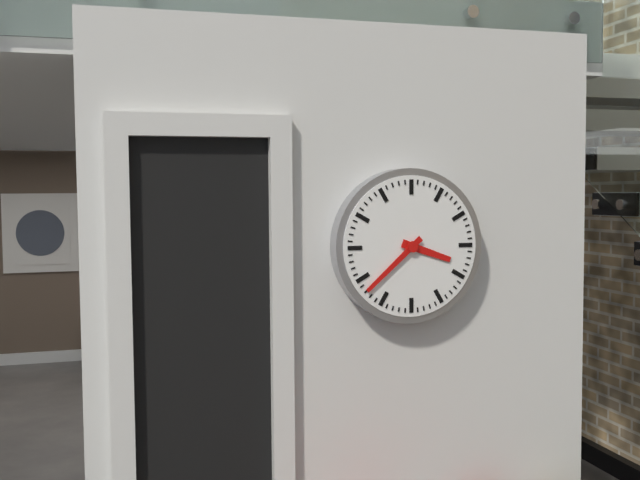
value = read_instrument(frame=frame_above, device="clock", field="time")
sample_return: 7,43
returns 3,38
